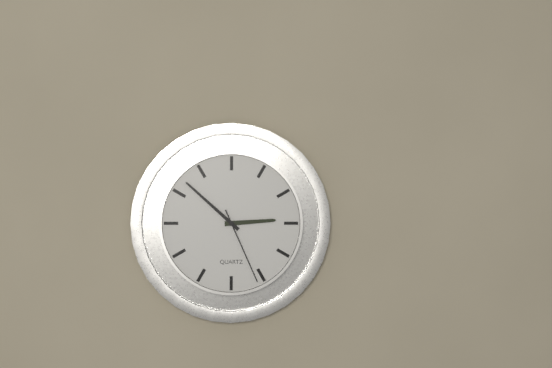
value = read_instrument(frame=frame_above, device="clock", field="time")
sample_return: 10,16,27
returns 2,52,26
